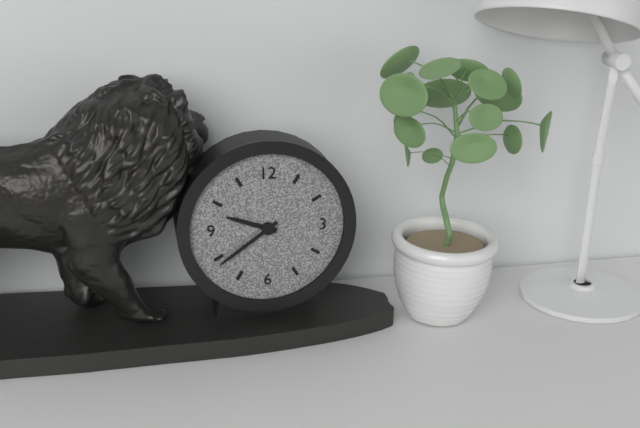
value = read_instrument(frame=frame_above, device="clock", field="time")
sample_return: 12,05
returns 9,39
